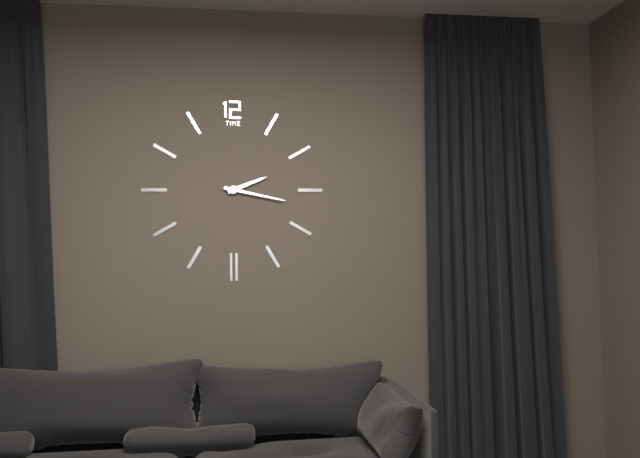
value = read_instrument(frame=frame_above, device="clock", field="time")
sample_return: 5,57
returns 2,17
